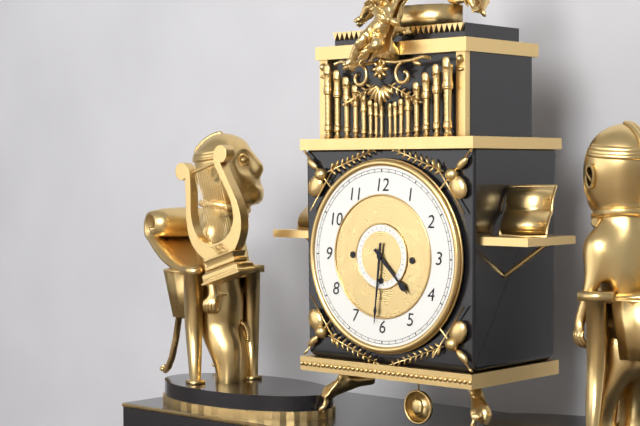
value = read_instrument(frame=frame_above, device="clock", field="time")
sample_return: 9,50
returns 4,31
